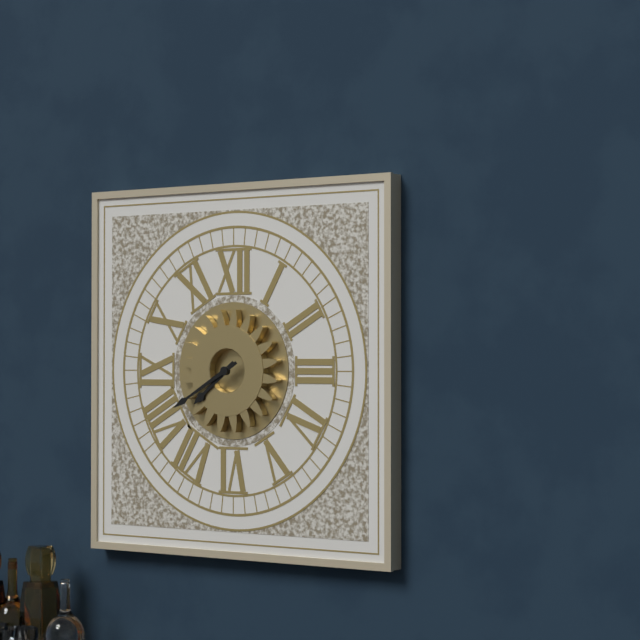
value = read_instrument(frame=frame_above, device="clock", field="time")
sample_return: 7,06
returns 7,40
